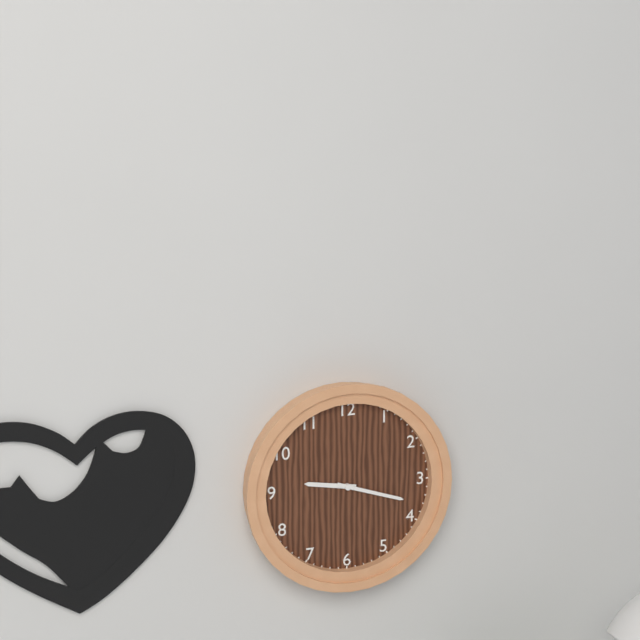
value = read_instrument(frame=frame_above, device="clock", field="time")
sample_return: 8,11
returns 9,18
